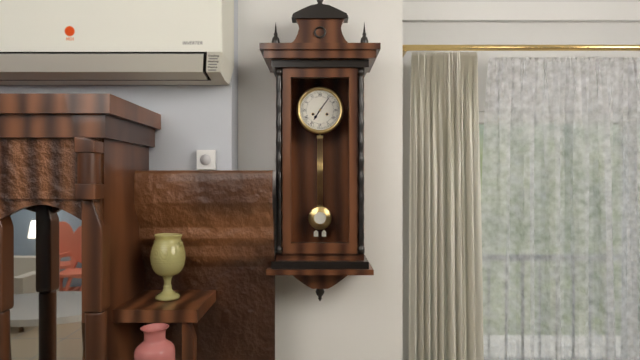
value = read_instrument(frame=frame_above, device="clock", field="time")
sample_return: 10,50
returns 7,06
